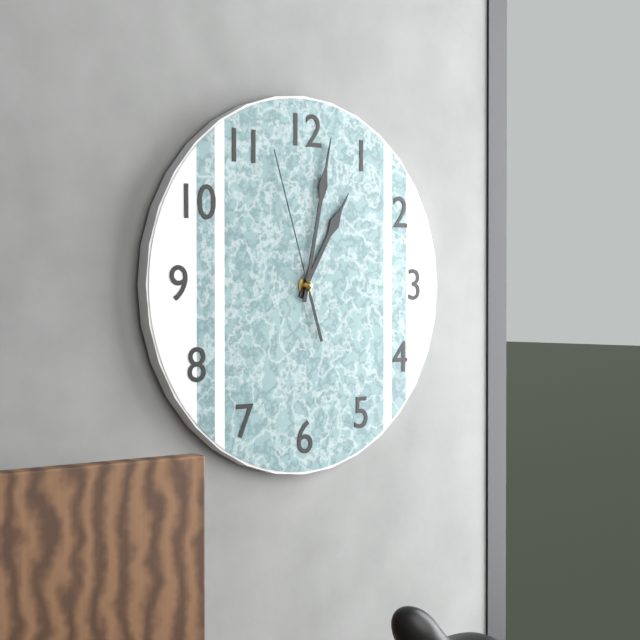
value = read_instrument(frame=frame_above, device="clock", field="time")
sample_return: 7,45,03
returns 1,02,57
